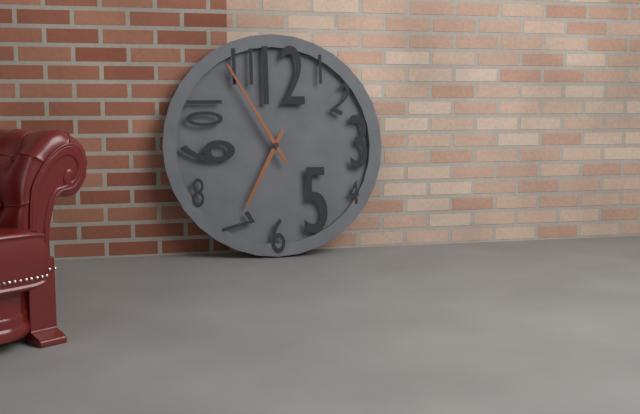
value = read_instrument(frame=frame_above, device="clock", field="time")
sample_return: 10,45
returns 6,55
